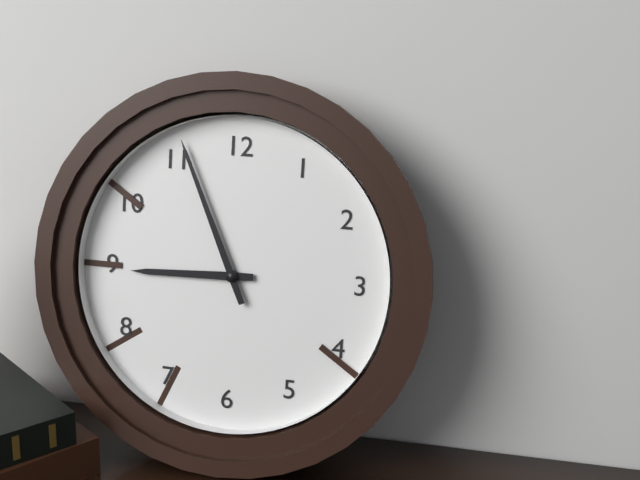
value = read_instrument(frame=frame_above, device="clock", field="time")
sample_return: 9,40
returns 8,56
